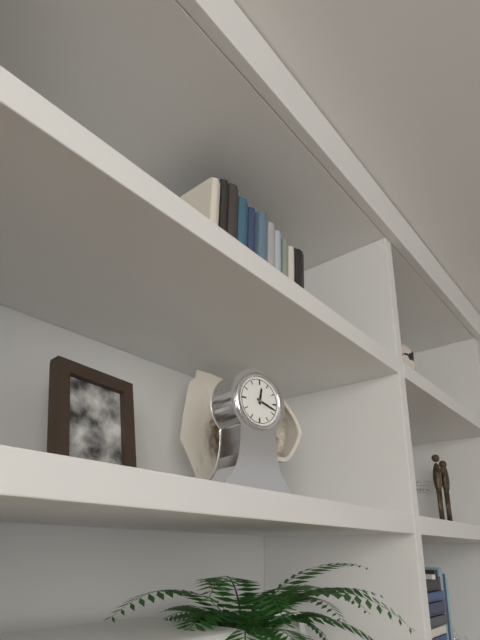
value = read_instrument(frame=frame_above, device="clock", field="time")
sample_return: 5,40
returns 12,18
